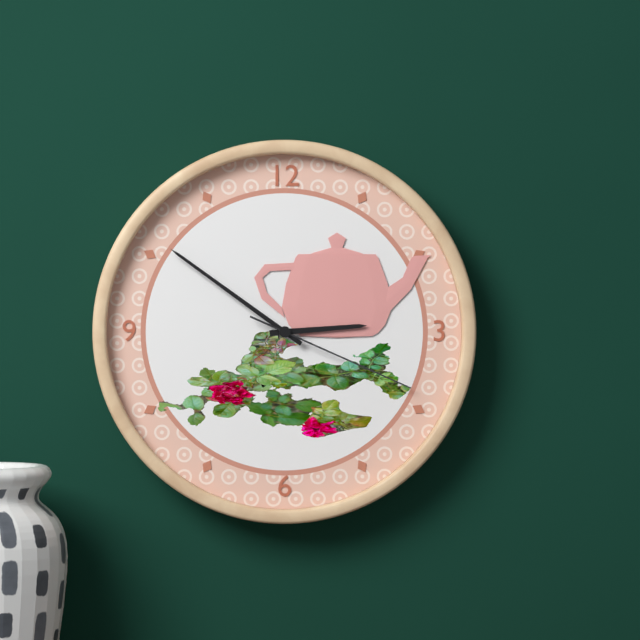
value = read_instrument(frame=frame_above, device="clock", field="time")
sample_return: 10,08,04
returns 2,51,19
